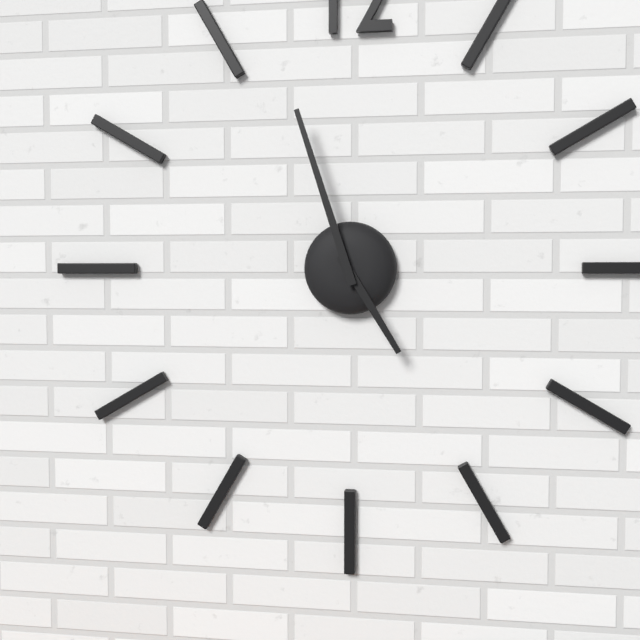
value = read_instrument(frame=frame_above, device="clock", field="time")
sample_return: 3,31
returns 4,57
